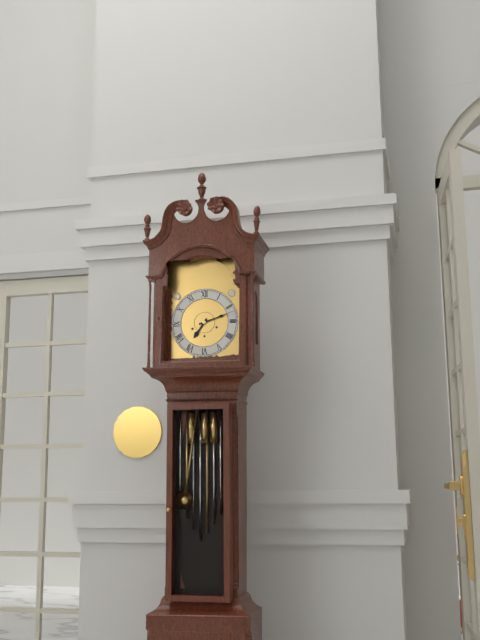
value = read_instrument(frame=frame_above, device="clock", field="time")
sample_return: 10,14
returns 7,12
